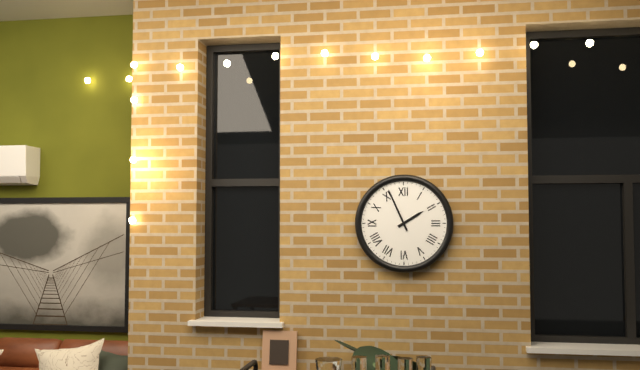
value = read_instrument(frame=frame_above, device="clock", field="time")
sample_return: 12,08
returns 1,56
